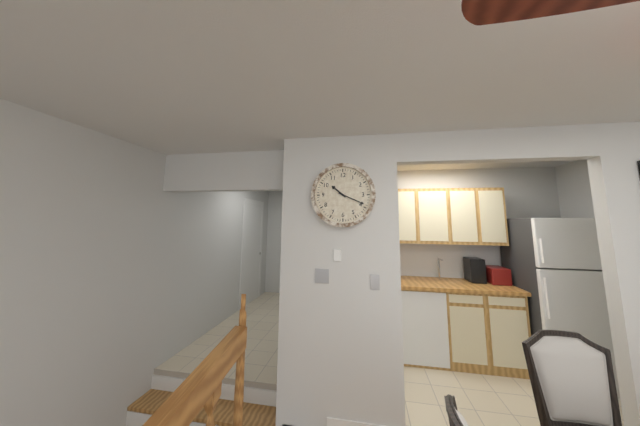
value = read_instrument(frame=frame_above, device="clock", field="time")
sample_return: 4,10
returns 10,19
